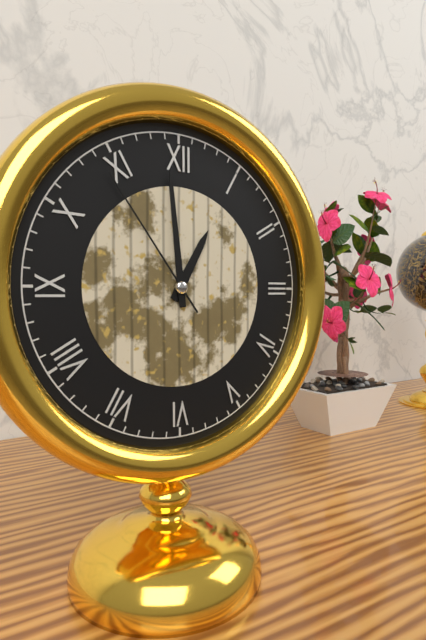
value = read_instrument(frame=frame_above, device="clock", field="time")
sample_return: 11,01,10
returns 12,59,54
